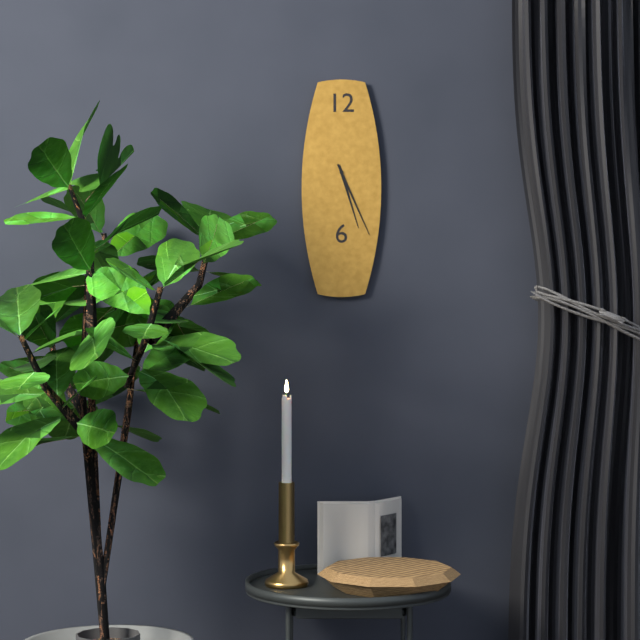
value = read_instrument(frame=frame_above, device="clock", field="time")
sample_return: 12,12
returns 5,26
